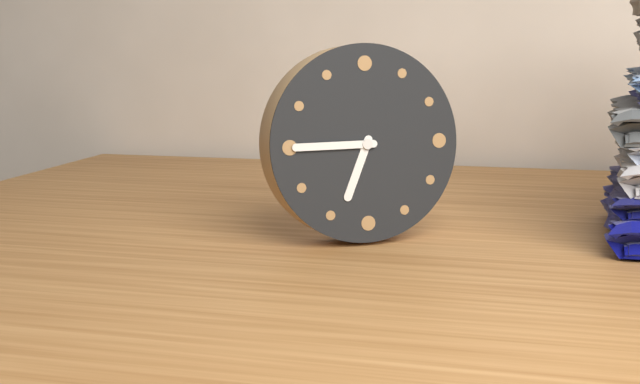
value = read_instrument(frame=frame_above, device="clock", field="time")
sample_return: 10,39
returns 6,45
